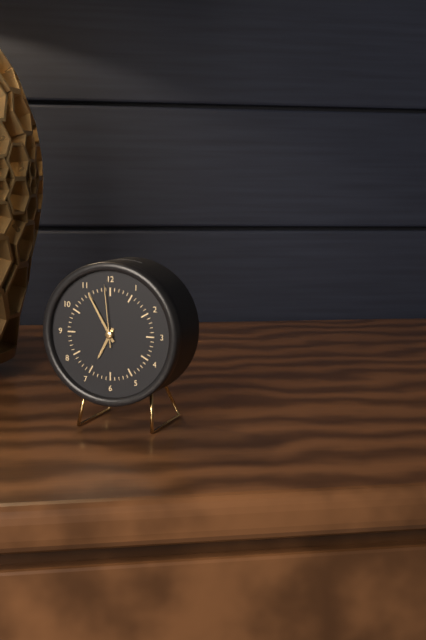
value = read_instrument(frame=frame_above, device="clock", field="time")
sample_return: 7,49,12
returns 6,55,59
